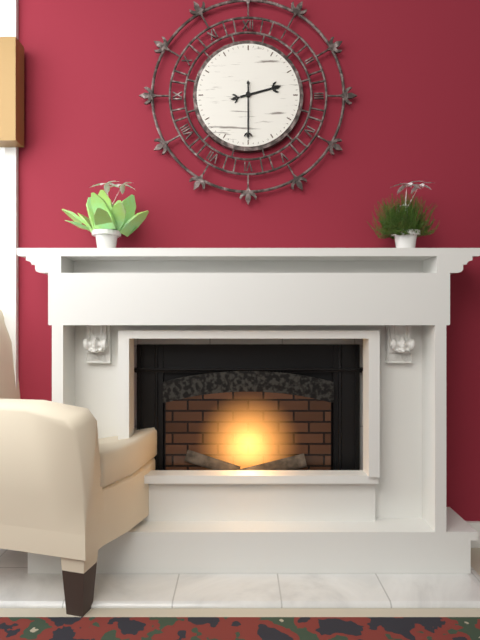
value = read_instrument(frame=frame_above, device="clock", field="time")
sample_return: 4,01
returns 2,30
